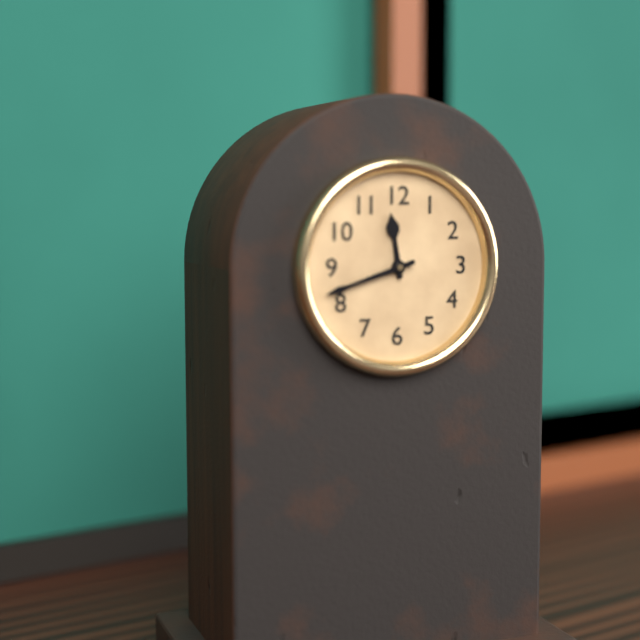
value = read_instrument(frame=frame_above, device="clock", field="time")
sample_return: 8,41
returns 11,42
